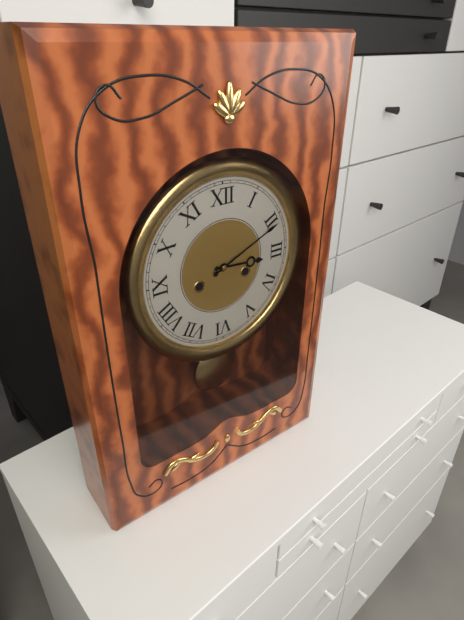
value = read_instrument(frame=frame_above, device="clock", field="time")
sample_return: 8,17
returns 3,11
